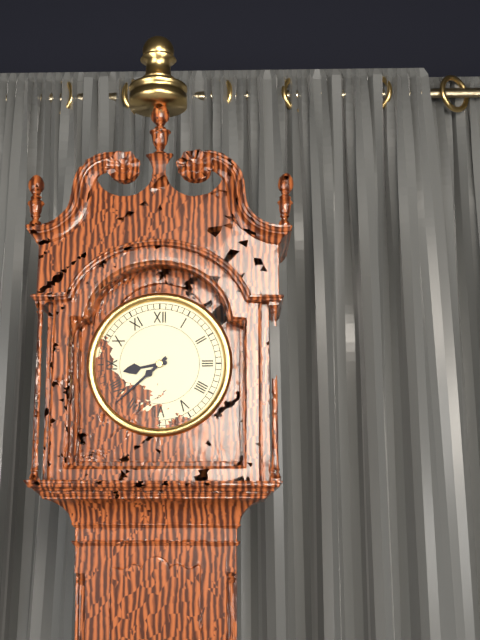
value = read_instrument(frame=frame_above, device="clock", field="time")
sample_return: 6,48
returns 8,38
